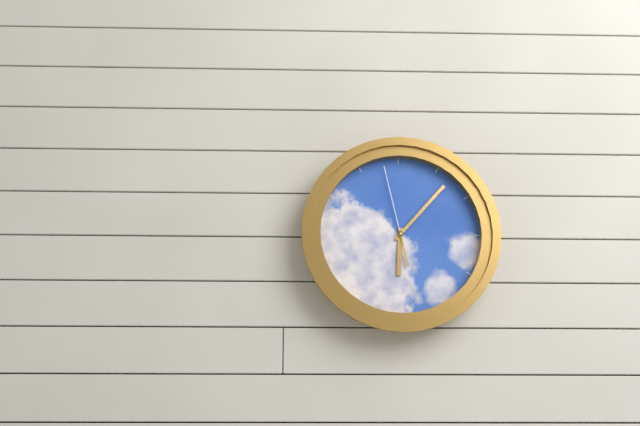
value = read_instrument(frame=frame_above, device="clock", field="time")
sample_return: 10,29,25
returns 6,07,58
